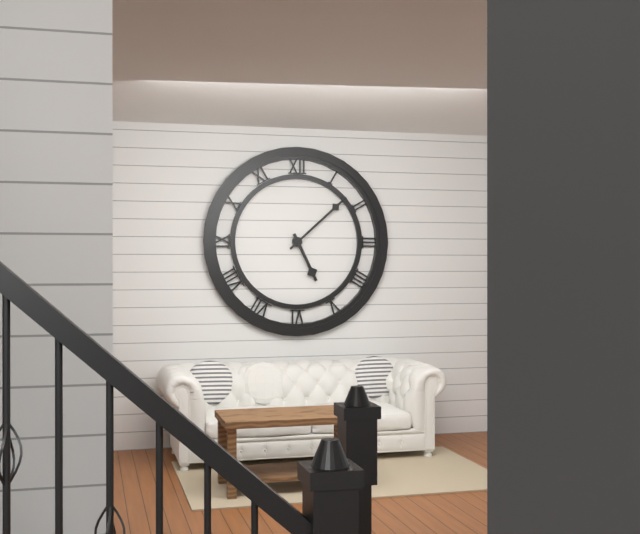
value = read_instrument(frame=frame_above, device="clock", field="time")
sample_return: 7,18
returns 5,08
